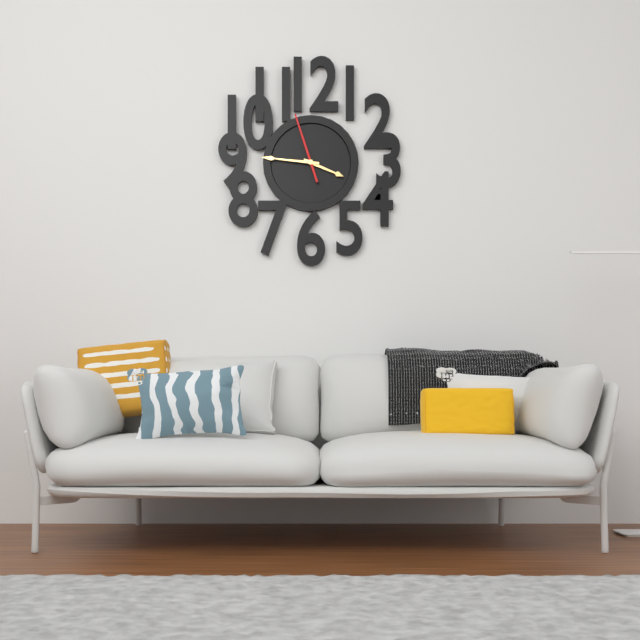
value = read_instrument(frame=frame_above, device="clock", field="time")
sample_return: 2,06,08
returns 3,46,57
